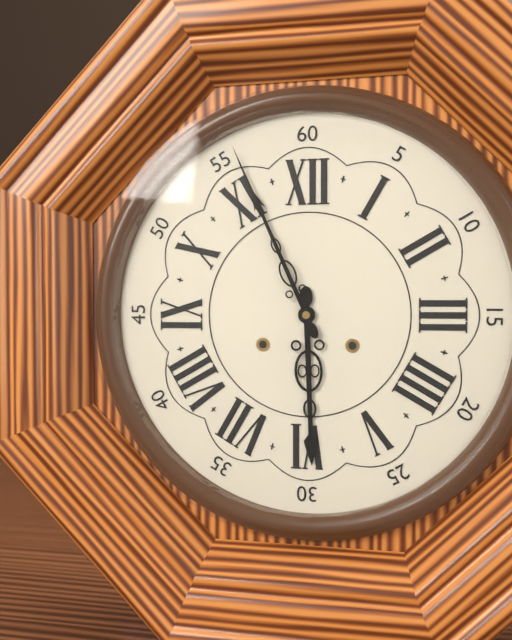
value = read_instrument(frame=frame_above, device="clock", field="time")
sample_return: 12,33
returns 5,56
